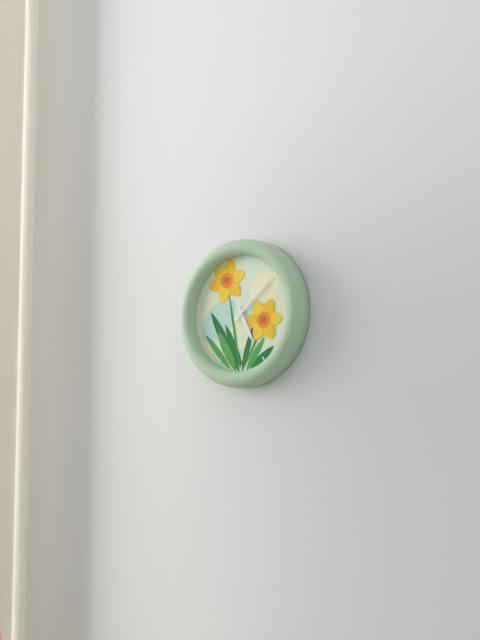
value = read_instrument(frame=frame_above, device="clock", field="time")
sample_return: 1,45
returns 5,08
